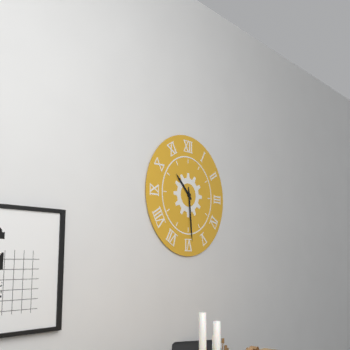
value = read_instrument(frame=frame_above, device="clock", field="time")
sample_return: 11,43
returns 10,29
